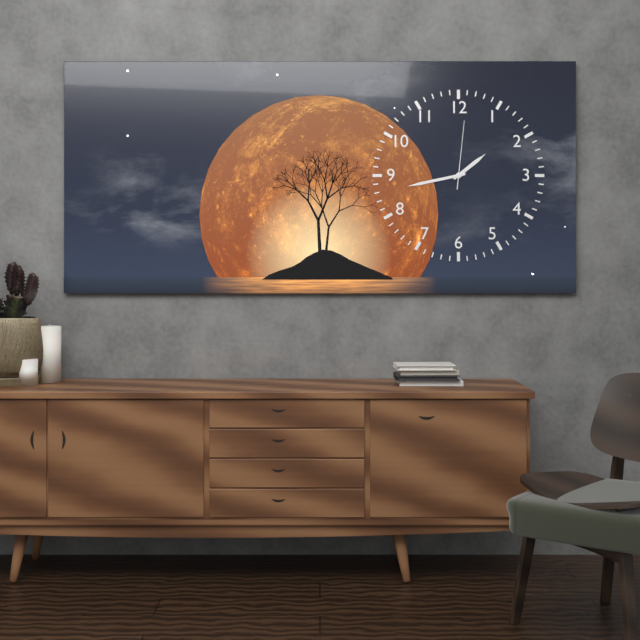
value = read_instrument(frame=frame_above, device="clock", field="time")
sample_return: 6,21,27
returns 1,43,01
